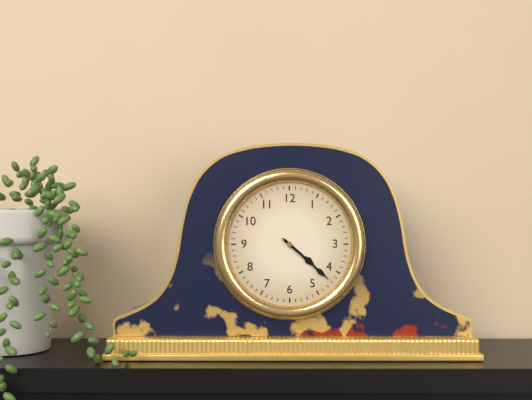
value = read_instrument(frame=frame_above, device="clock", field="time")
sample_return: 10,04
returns 4,22
